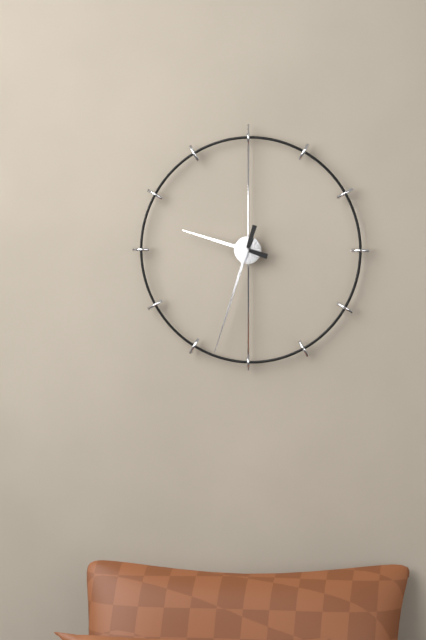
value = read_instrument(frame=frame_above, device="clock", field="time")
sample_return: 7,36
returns 9,33
